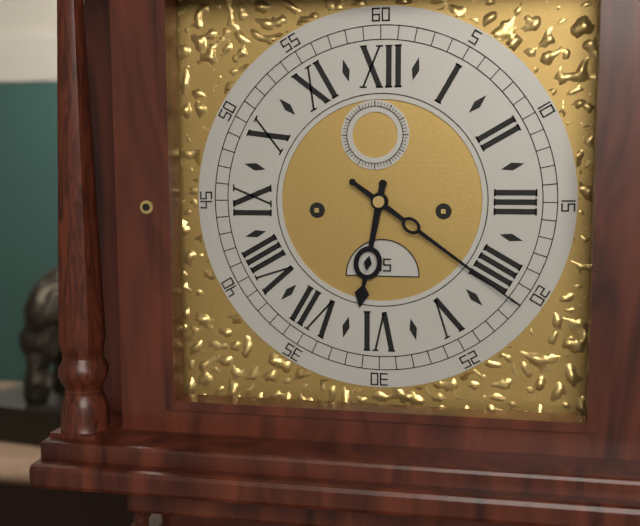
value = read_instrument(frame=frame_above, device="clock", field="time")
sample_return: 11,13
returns 6,21
